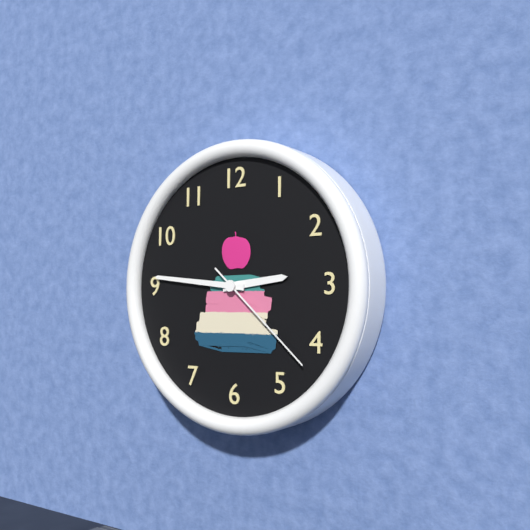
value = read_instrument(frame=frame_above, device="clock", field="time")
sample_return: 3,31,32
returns 2,46,22
